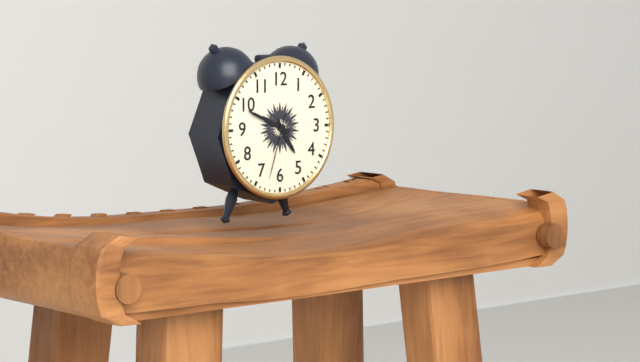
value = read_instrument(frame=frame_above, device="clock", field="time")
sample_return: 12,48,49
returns 4,49,33
